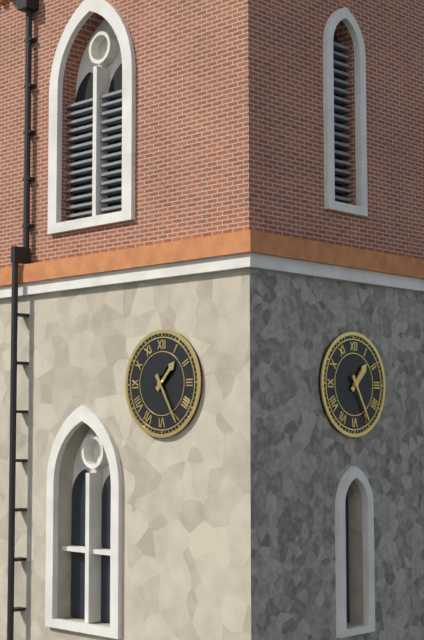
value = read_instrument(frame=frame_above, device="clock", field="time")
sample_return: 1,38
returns 1,25
